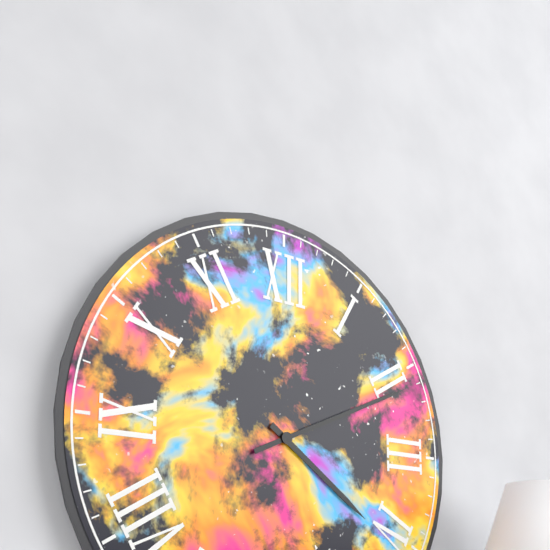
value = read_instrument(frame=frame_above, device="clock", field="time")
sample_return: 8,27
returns 4,11
